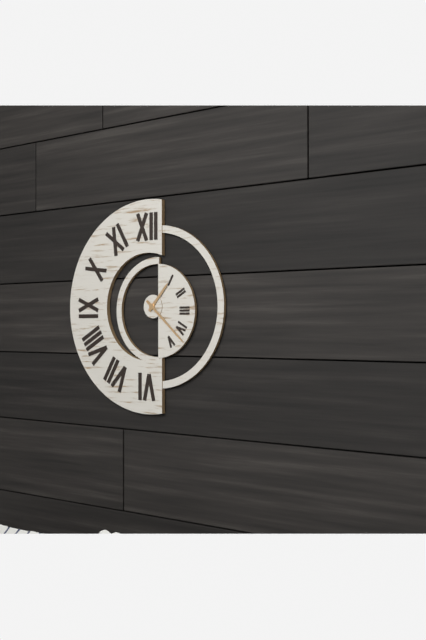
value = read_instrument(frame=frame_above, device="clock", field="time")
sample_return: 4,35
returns 1,22
